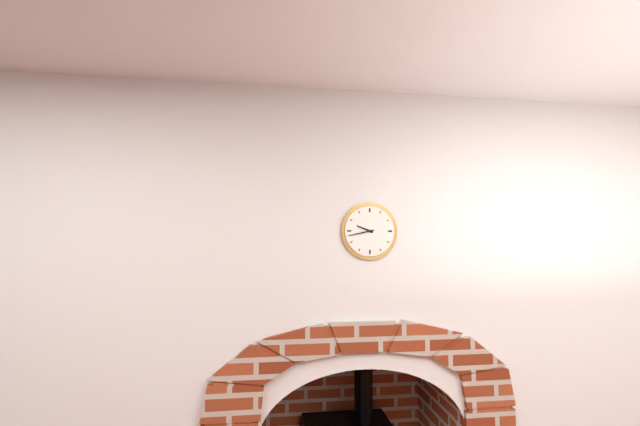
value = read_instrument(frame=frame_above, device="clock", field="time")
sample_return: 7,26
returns 9,43
